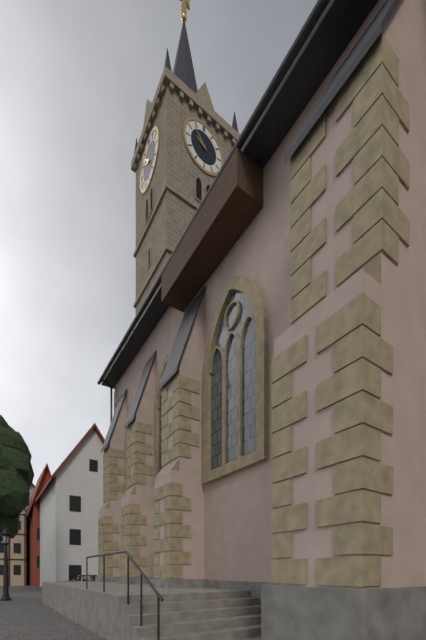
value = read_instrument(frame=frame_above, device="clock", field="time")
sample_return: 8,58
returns 9,53
